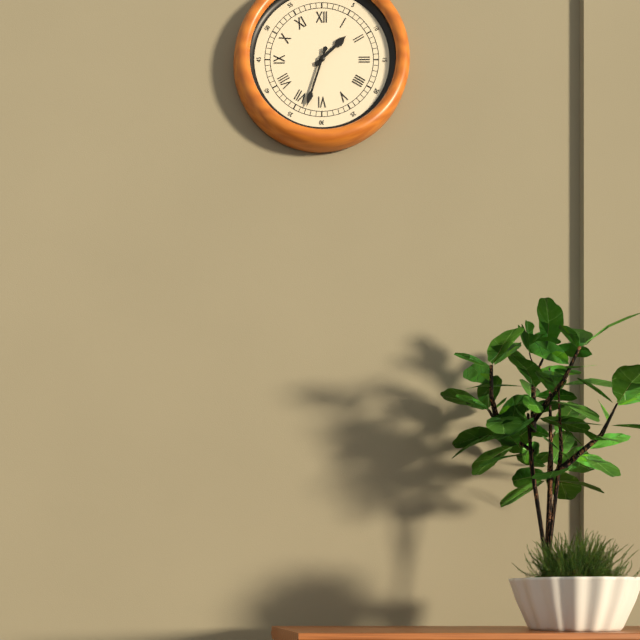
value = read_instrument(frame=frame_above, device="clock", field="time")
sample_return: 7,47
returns 1,33
